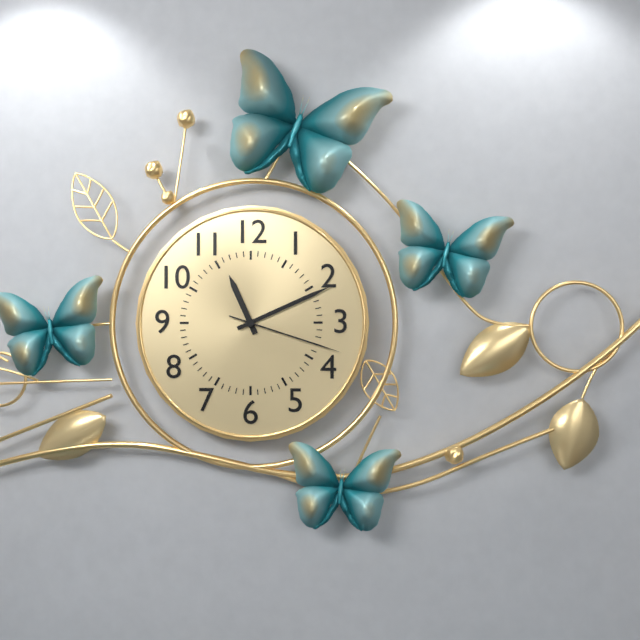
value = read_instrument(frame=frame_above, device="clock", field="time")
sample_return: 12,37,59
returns 11,11,18
